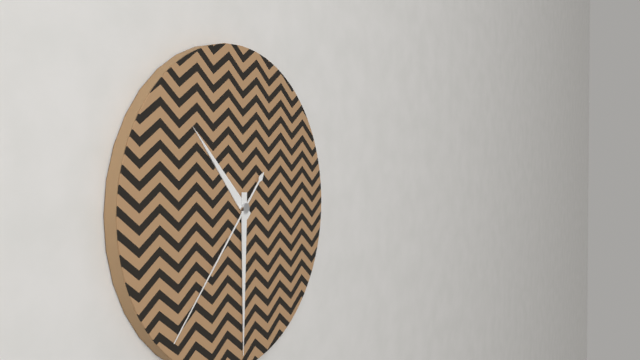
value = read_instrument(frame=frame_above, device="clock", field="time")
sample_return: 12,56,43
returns 10,30,37
